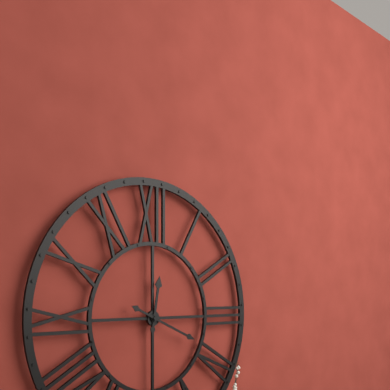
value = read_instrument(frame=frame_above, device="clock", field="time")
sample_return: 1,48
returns 12,19
